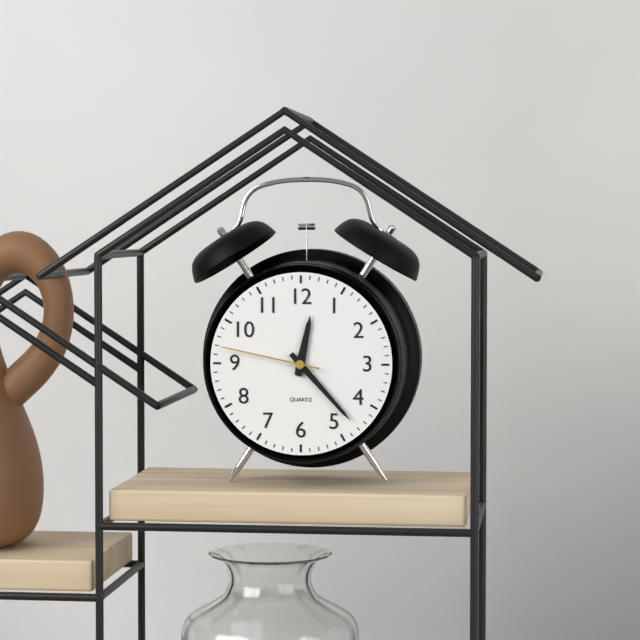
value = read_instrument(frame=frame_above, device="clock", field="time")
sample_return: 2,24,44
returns 12,23,47
